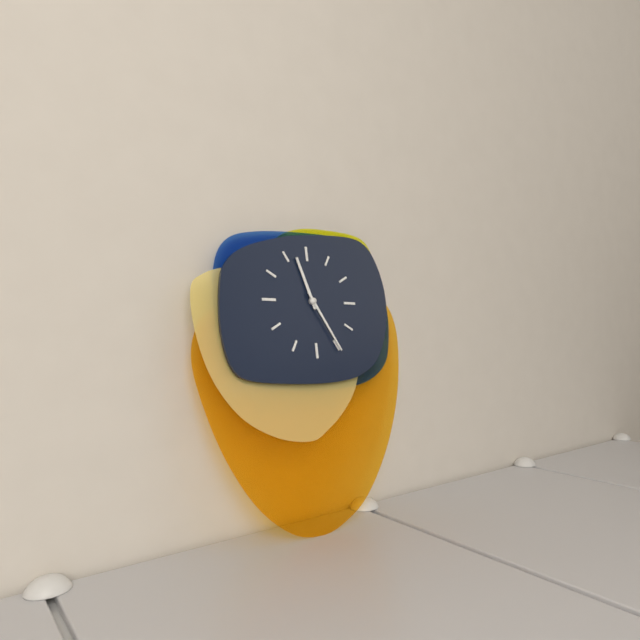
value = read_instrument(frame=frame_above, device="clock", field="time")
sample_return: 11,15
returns 11,25
